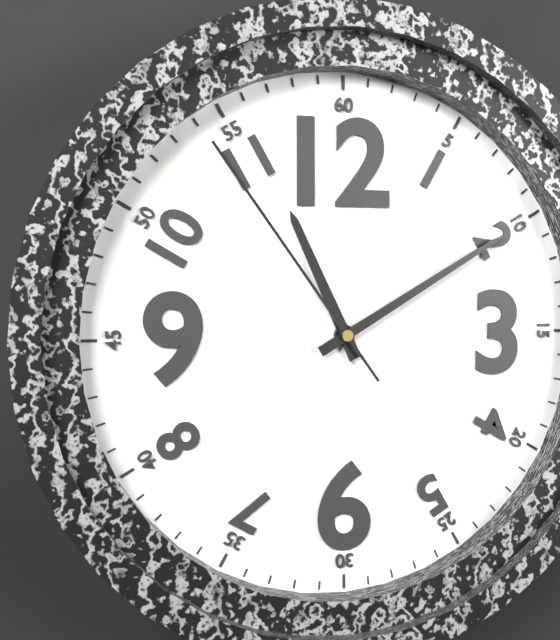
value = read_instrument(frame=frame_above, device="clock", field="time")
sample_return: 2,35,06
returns 11,10,54
